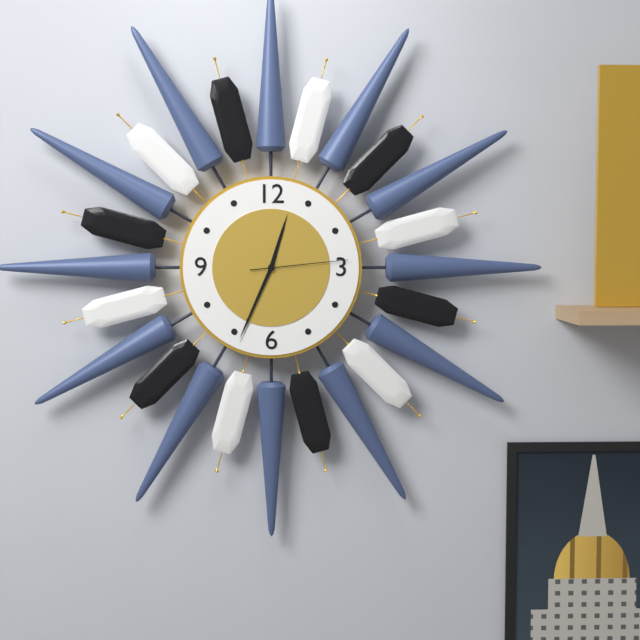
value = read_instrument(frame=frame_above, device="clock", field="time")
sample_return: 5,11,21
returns 12,34,14
